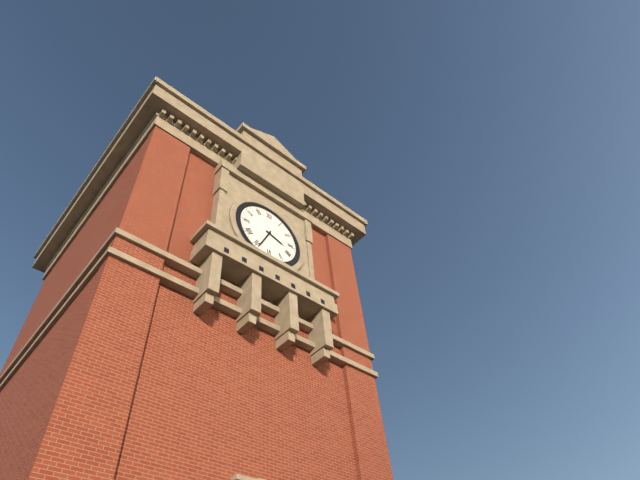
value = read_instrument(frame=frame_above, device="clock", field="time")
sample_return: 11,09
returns 3,34
